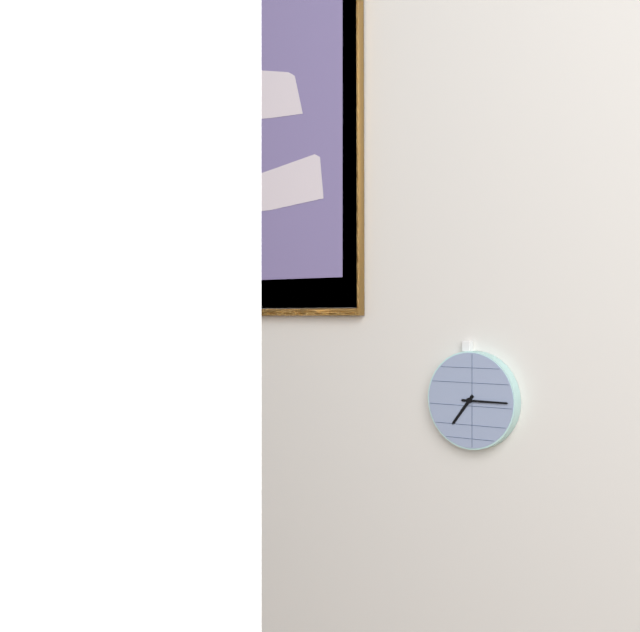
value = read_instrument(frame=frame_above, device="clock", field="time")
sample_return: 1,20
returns 7,15
